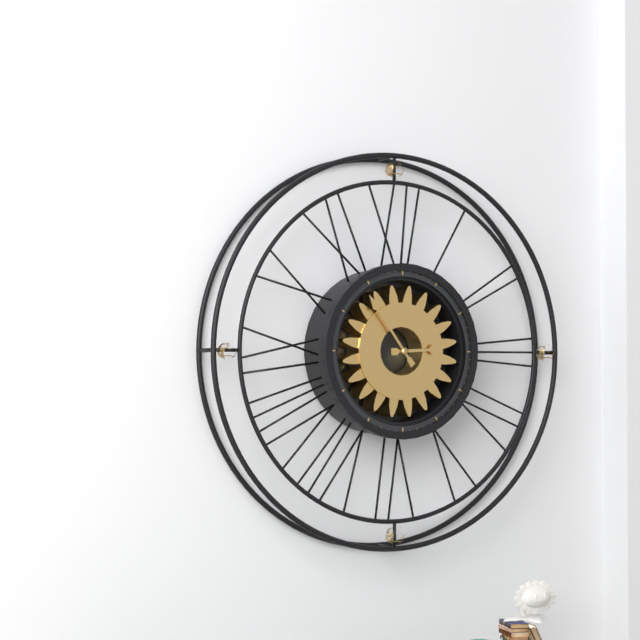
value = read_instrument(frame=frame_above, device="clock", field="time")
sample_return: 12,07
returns 2,54
